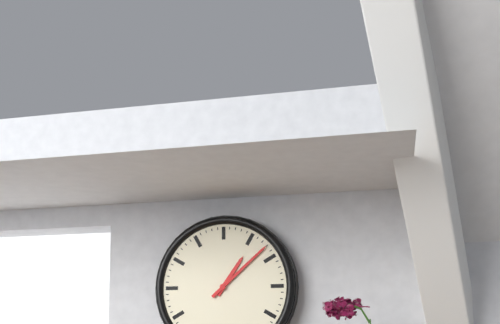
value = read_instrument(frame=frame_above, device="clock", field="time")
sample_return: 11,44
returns 1,08
